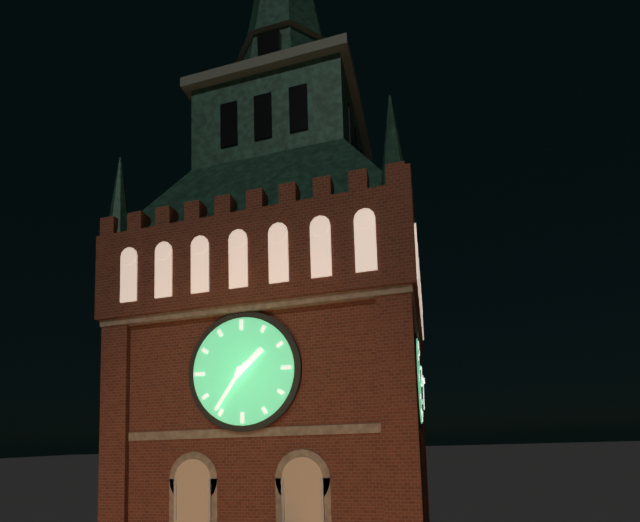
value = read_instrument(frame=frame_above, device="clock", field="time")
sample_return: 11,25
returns 1,36
